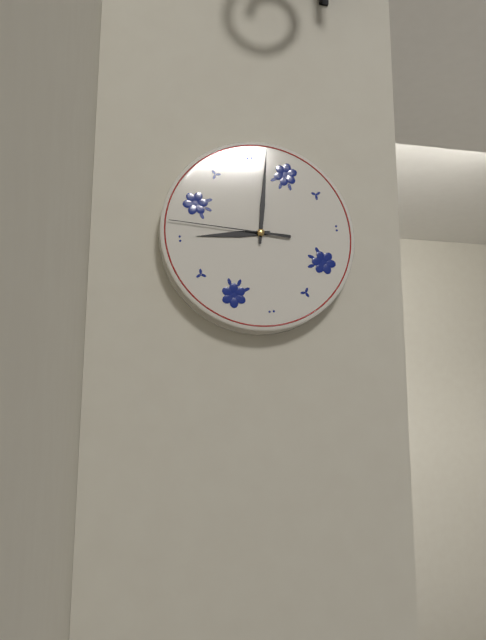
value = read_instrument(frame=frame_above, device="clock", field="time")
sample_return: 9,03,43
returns 9,02,47
